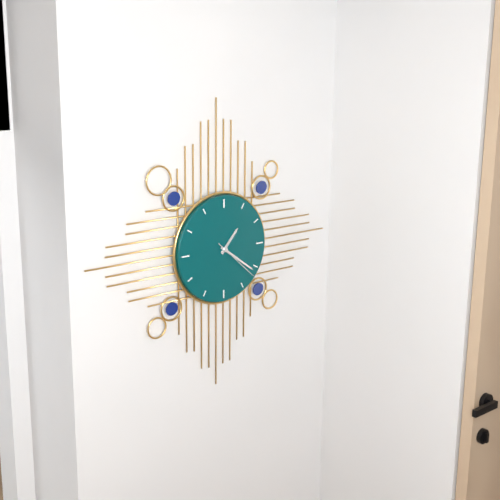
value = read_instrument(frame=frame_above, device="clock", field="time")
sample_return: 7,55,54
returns 1,21,22
